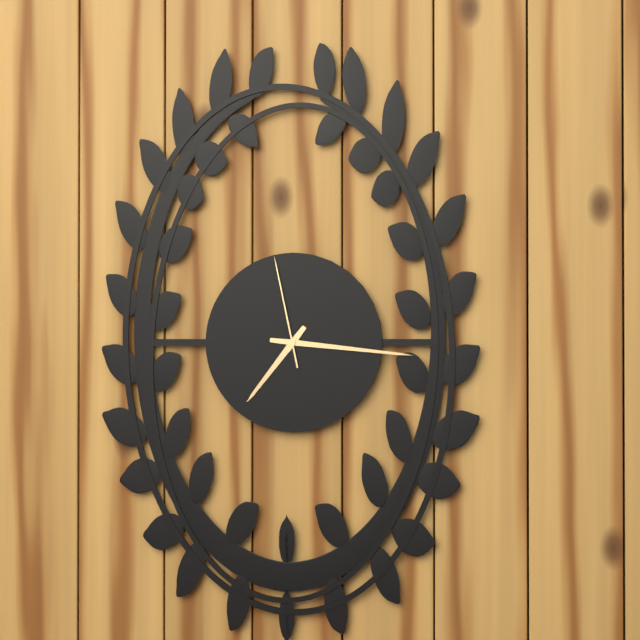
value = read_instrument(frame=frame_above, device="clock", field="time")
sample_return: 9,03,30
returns 7,16,58
